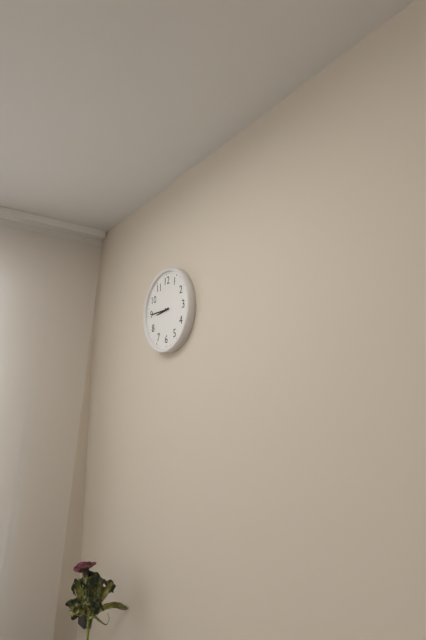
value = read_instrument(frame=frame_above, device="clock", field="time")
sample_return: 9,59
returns 8,45
